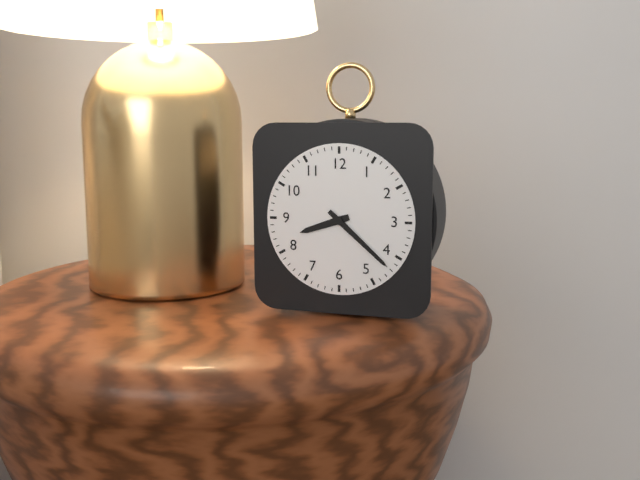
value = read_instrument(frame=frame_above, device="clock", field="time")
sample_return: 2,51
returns 8,22
